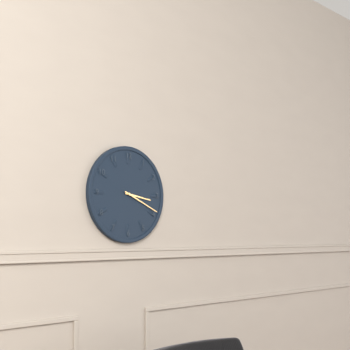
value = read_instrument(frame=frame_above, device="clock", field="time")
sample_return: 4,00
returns 3,19
